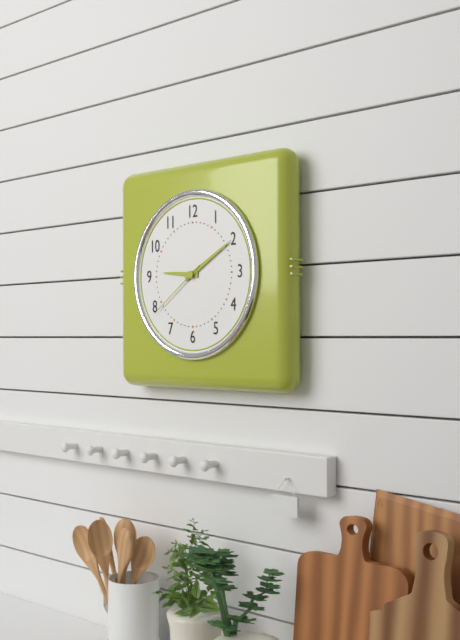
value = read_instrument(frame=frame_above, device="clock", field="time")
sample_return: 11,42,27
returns 9,10,39
